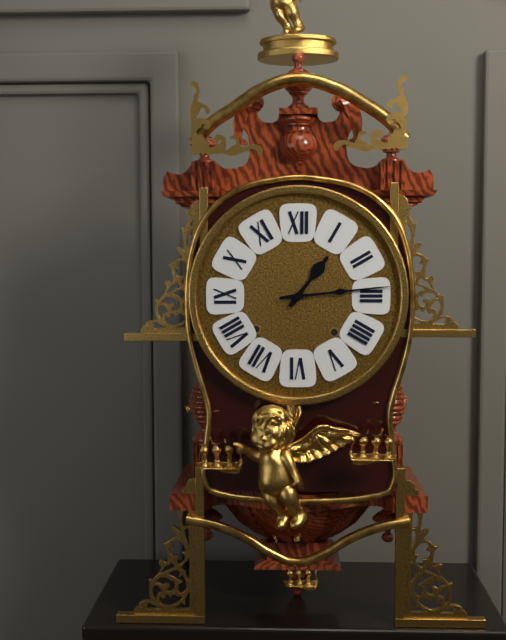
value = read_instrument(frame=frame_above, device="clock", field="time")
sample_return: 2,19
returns 1,14
